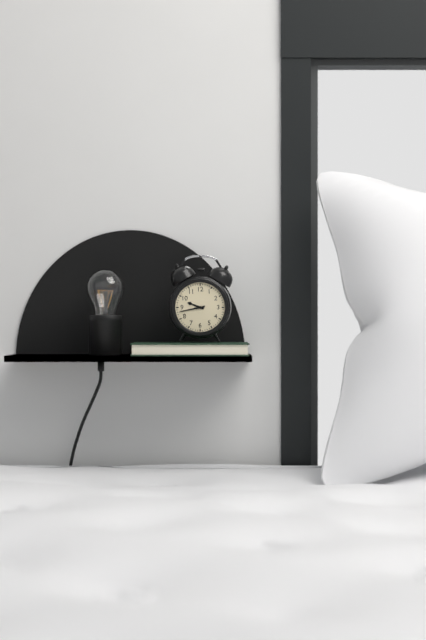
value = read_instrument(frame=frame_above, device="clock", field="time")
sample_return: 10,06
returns 9,43
